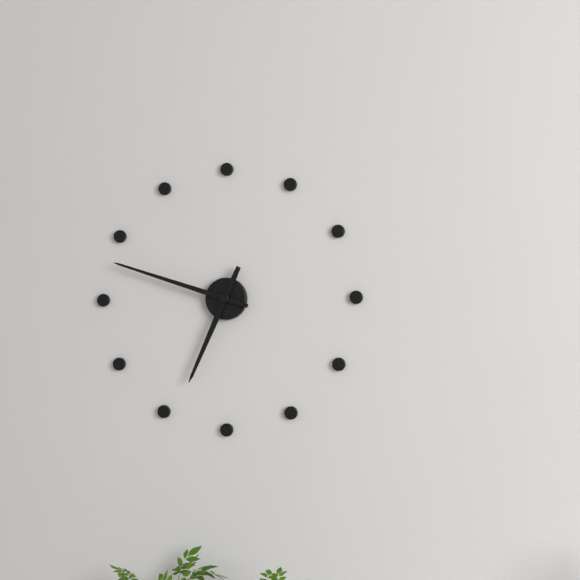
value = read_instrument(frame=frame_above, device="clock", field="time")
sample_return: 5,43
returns 6,48
